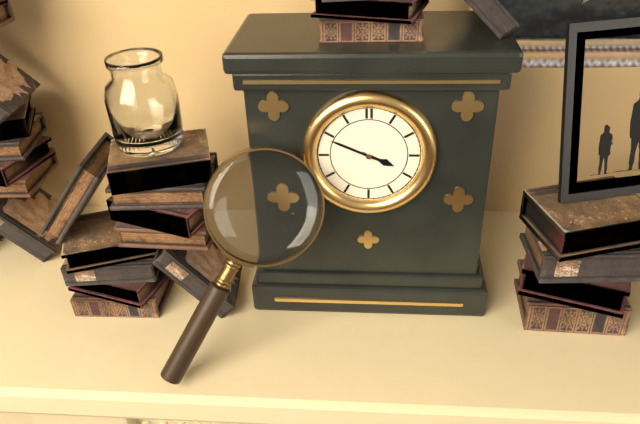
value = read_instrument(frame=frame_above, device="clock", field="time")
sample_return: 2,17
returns 3,49
